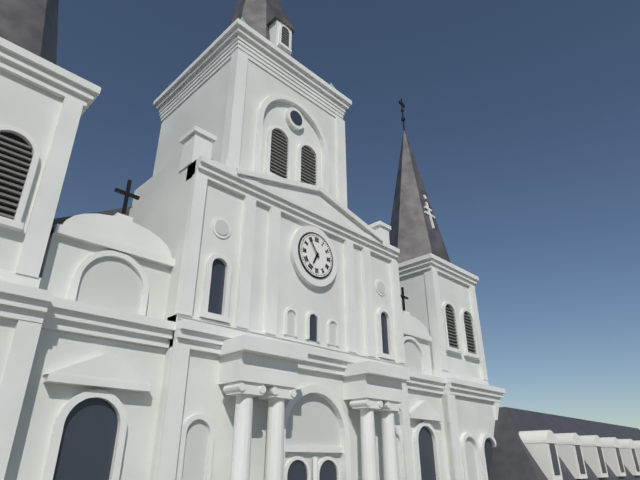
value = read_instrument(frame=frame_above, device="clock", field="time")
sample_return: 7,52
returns 6,54
